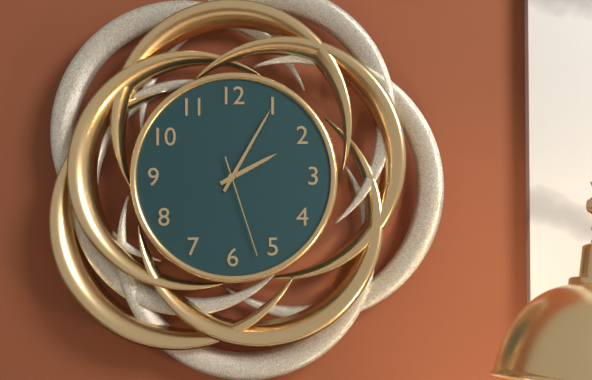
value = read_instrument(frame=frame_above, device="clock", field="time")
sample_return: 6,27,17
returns 2,05,27
